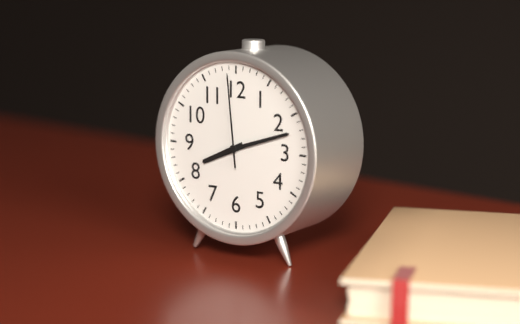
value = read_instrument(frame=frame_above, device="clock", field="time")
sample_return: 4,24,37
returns 8,12,59
